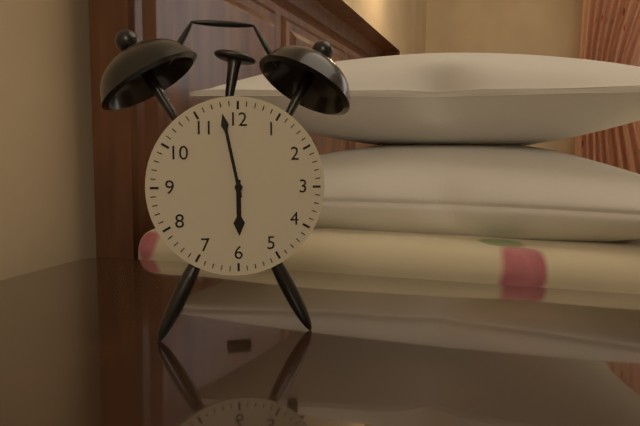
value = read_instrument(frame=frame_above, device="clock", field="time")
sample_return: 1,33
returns 5,58
